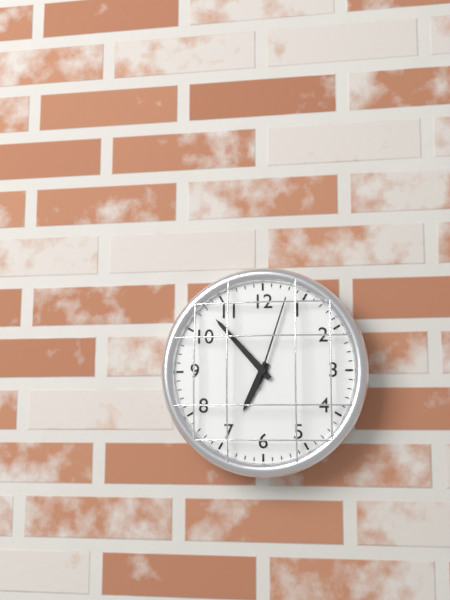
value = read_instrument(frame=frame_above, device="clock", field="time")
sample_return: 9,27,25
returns 6,53,03
